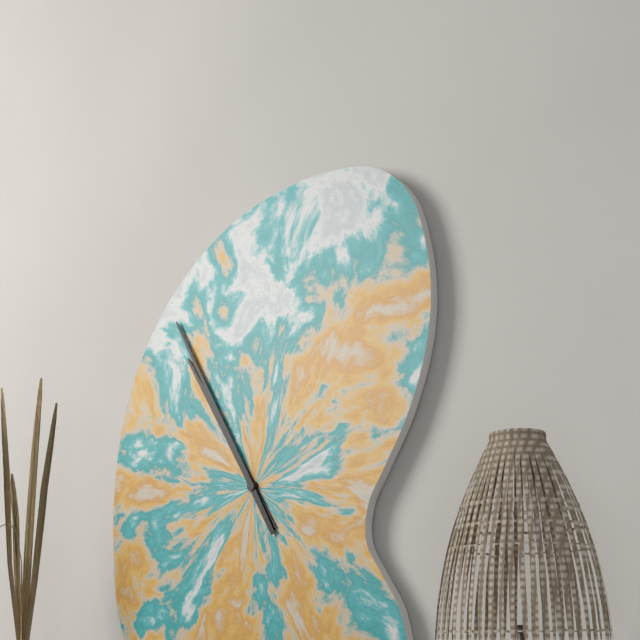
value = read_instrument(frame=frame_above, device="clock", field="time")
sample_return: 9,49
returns 10,55
